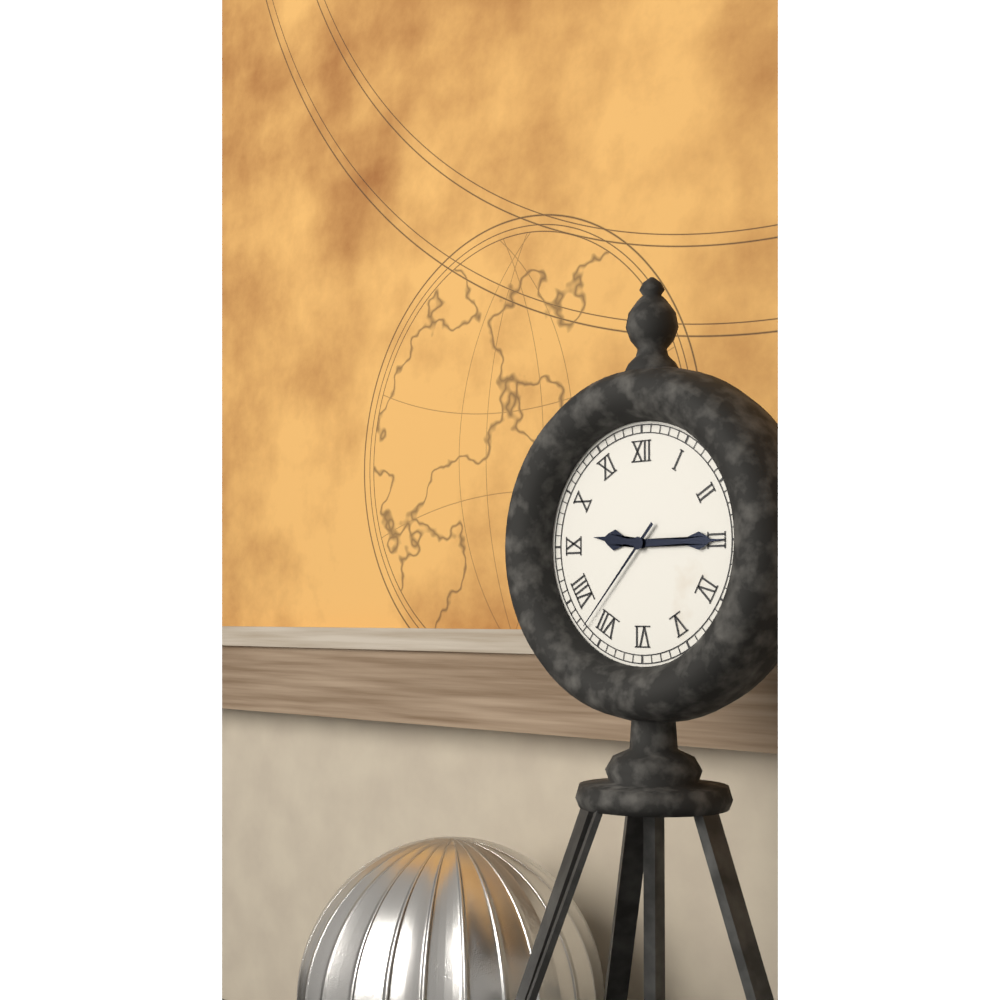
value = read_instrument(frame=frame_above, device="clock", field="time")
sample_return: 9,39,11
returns 9,15,37
